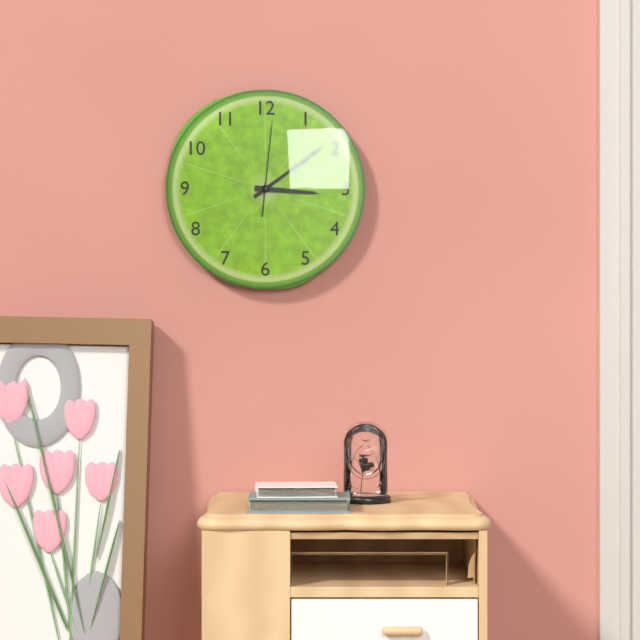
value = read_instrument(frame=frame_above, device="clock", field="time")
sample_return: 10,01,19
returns 3,09,01
